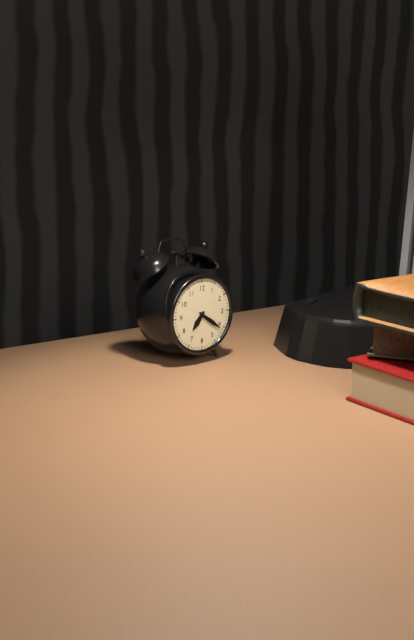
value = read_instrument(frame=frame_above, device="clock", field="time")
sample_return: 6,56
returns 7,21
